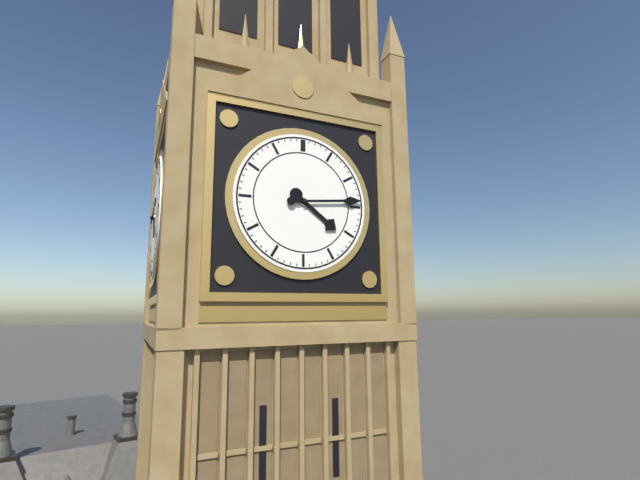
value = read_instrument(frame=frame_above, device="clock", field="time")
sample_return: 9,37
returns 4,14
